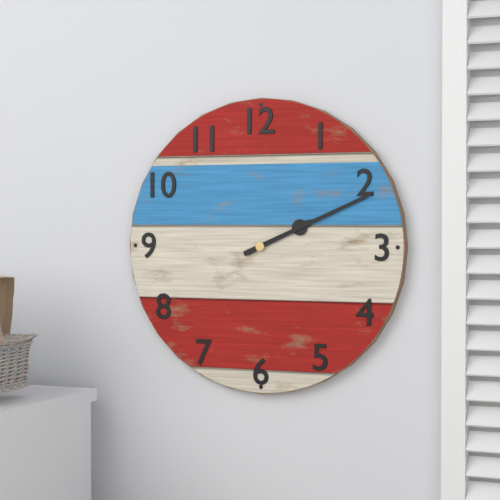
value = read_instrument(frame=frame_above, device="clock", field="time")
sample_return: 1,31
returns 2,11
